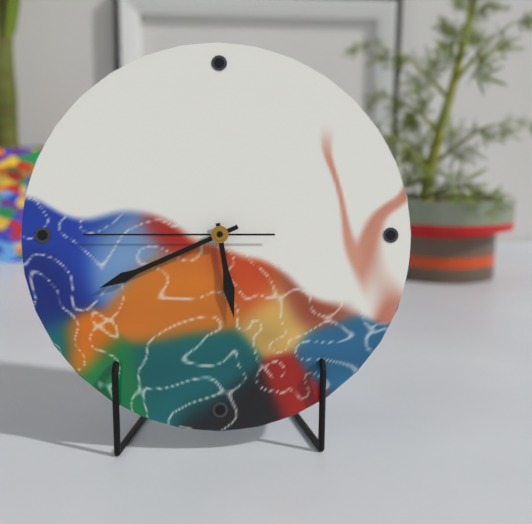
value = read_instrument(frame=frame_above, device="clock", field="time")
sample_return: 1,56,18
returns 5,41,45
